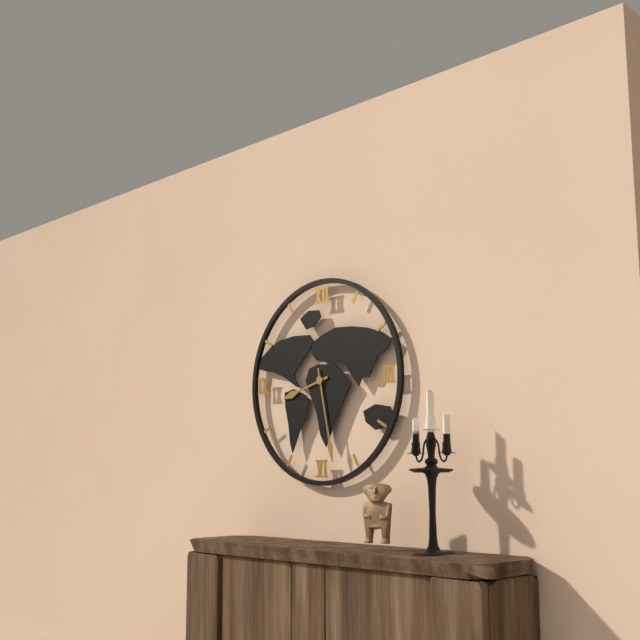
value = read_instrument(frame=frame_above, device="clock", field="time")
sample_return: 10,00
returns 8,28
